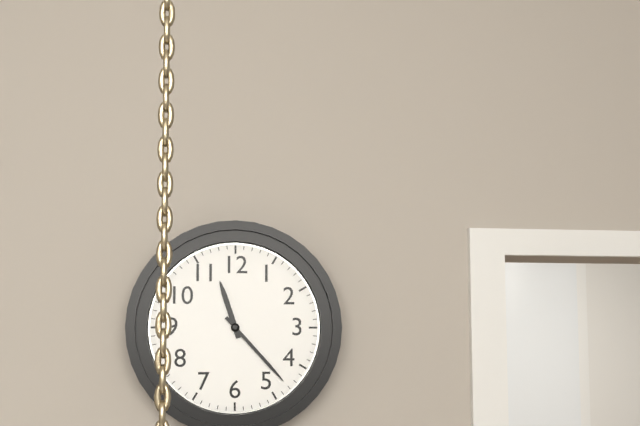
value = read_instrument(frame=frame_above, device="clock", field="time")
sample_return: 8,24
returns 11,23
